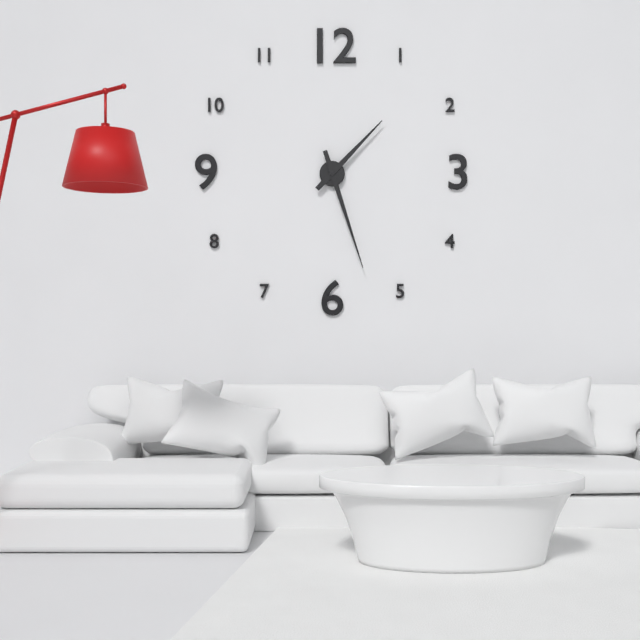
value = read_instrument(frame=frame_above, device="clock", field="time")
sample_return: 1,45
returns 1,27
